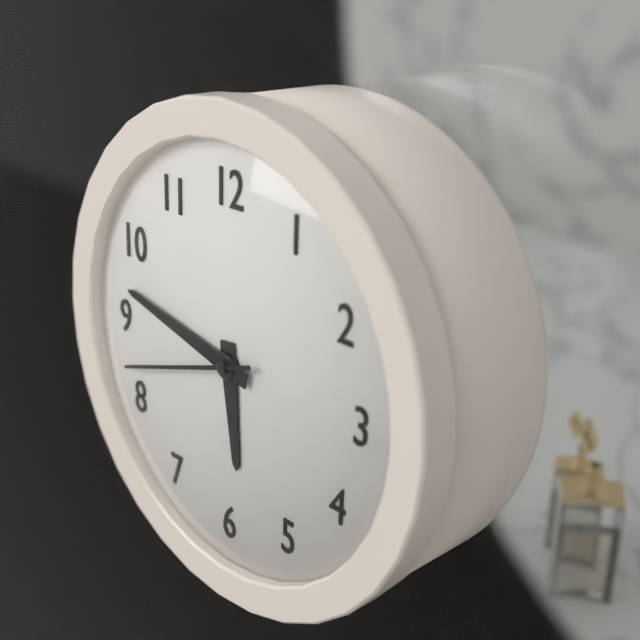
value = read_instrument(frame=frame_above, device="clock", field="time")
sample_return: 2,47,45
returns 5,47,42
